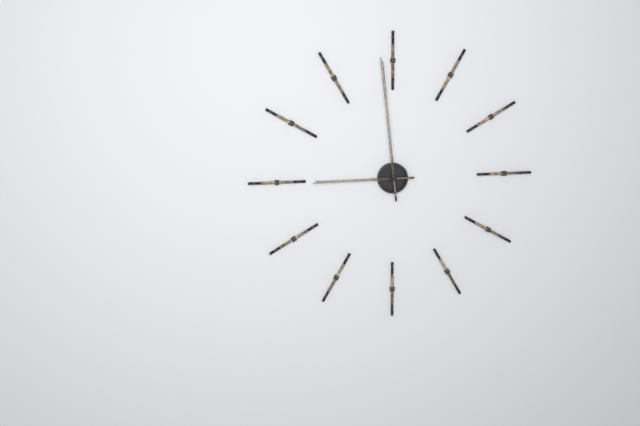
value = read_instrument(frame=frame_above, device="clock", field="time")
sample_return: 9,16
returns 8,59
